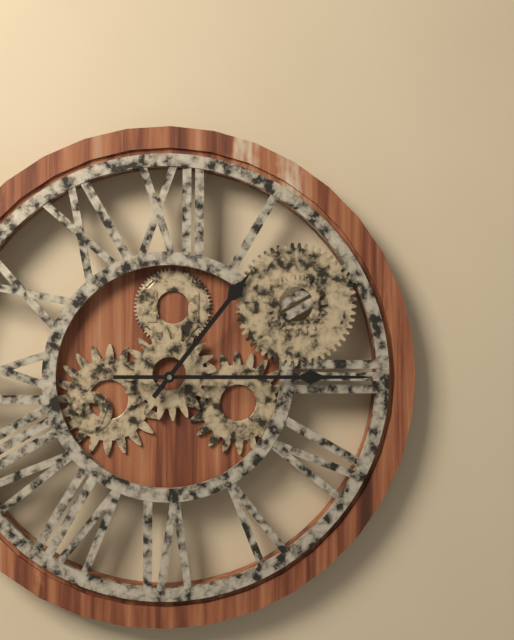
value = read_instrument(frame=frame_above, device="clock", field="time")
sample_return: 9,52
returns 1,15
